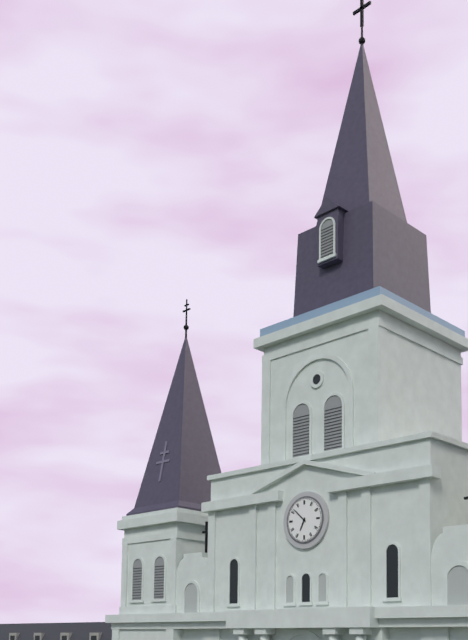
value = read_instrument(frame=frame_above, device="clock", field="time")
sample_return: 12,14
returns 6,52
